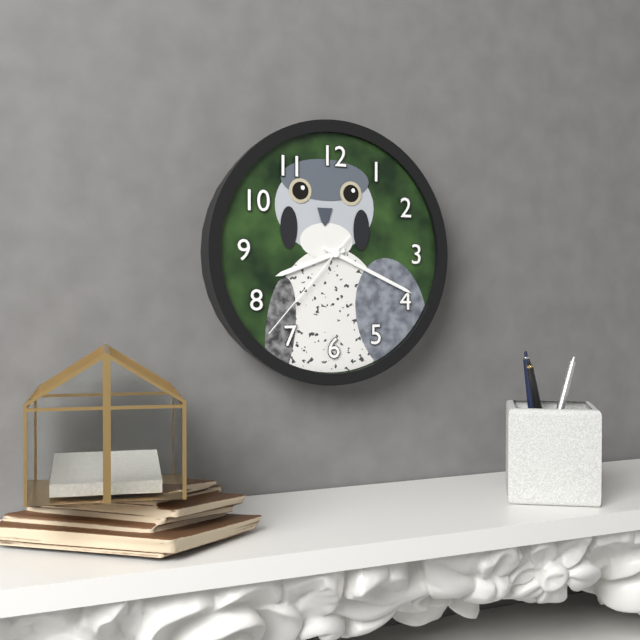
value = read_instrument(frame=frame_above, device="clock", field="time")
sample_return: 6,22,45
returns 8,19,37
